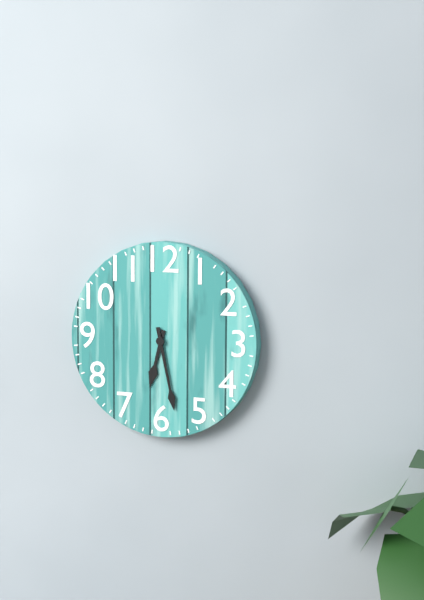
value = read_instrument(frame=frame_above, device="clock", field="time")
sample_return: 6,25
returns 6,28
